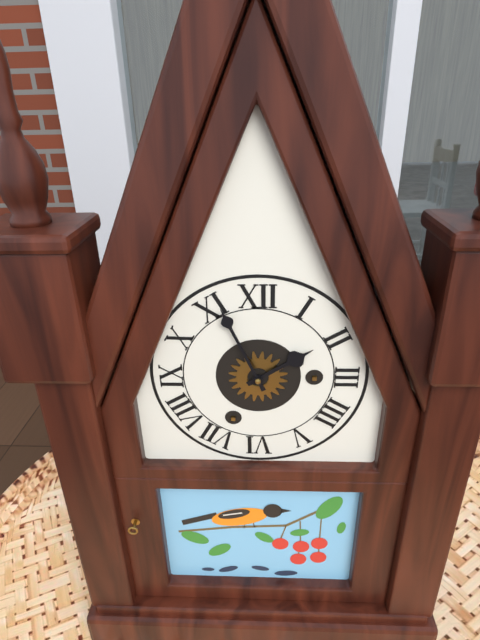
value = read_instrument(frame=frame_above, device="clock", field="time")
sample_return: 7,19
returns 1,56
